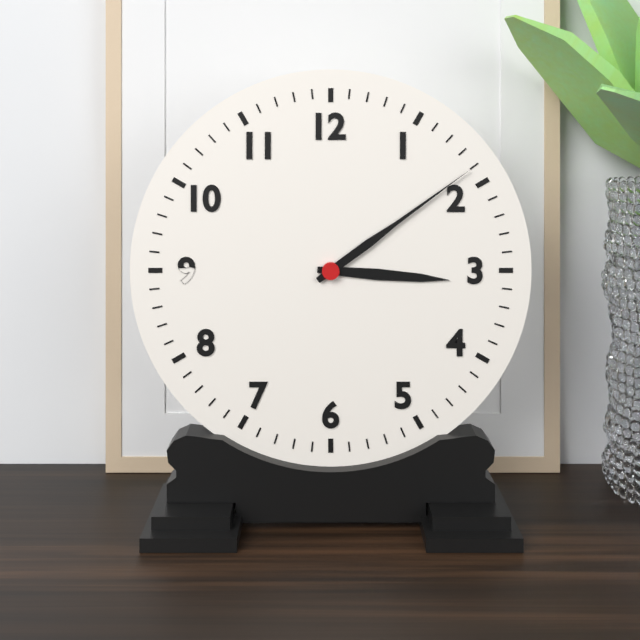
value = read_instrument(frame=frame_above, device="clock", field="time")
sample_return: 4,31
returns 3,09
